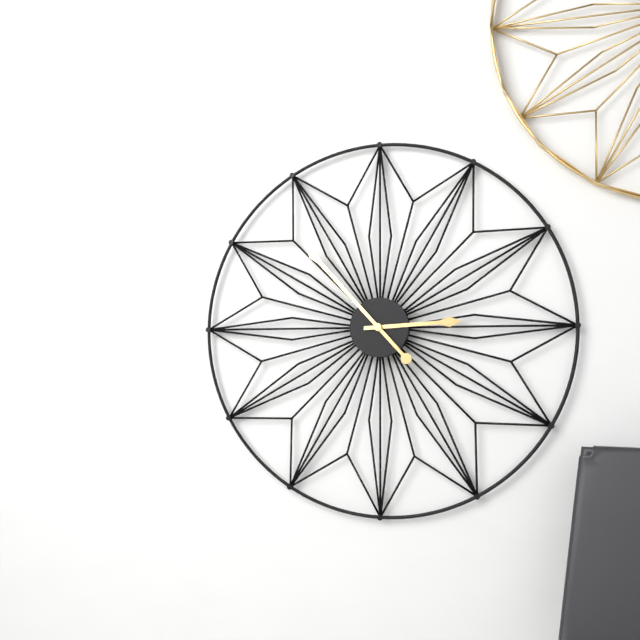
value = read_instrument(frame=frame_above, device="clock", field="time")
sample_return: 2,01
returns 2,53
